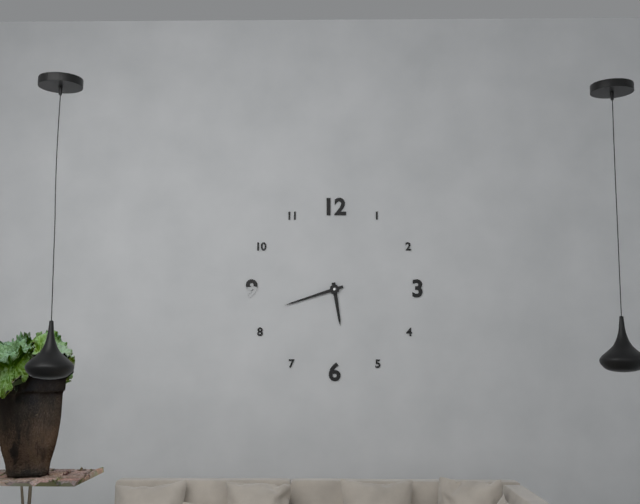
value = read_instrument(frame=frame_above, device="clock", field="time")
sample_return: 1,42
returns 5,42
